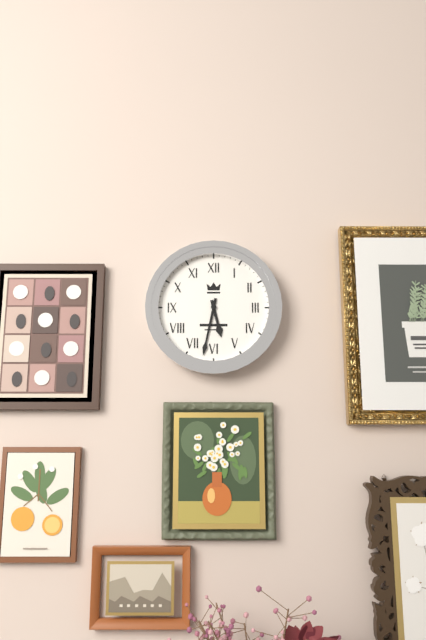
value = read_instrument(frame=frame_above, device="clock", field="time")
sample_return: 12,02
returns 5,32
